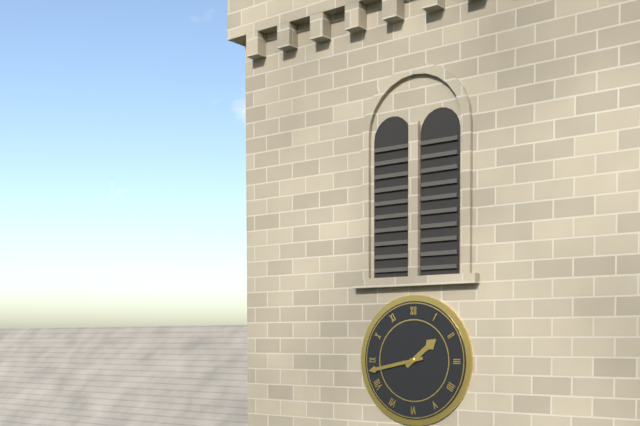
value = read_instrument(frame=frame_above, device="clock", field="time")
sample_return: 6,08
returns 1,43
